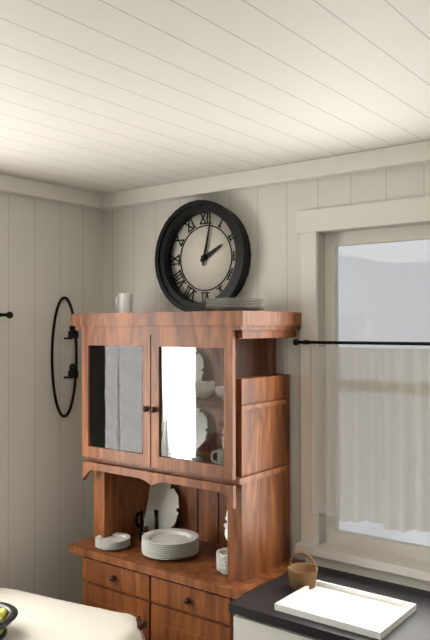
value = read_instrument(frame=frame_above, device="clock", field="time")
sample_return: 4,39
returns 2,02
